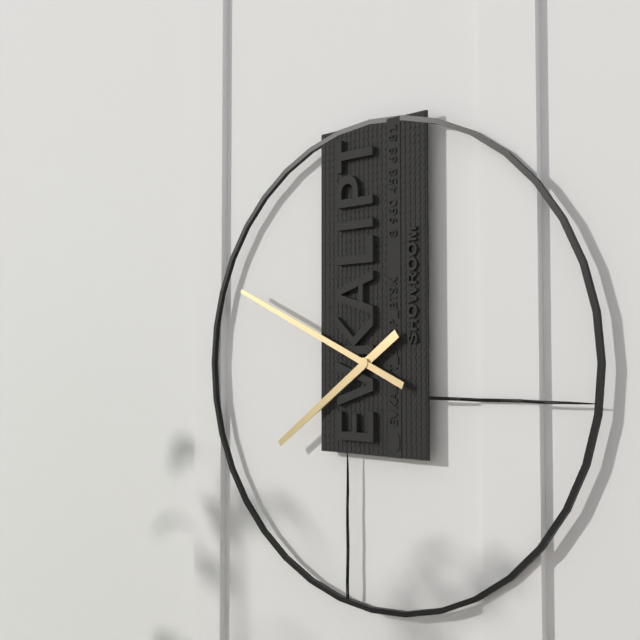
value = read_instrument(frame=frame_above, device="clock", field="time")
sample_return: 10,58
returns 7,49
